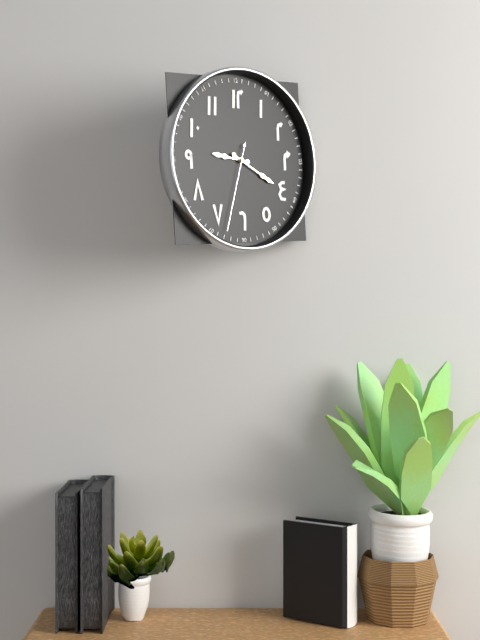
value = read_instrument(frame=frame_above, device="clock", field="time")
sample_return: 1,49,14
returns 9,20,33
